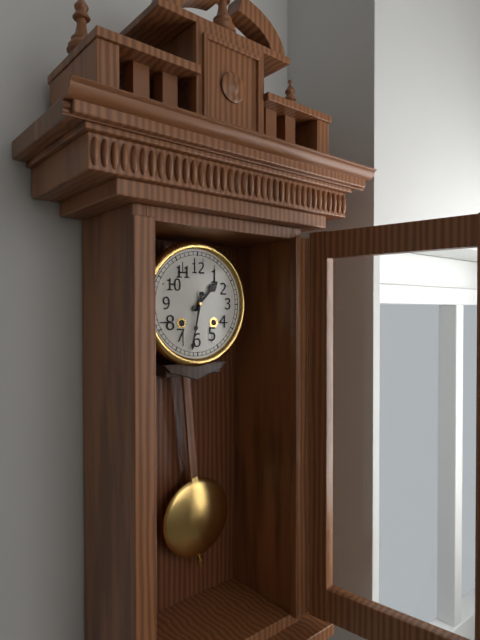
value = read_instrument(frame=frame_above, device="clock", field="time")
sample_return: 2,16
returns 1,32
